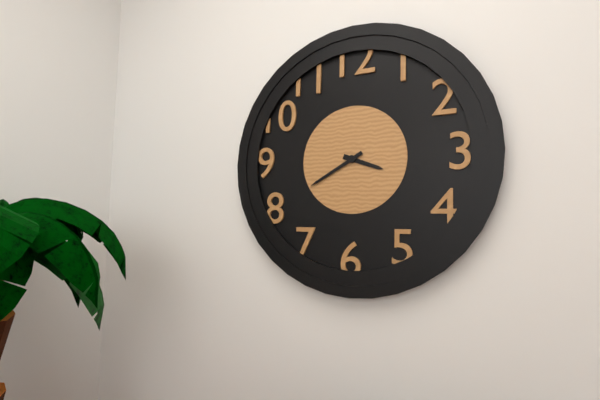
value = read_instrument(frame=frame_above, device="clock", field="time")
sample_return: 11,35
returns 3,40
